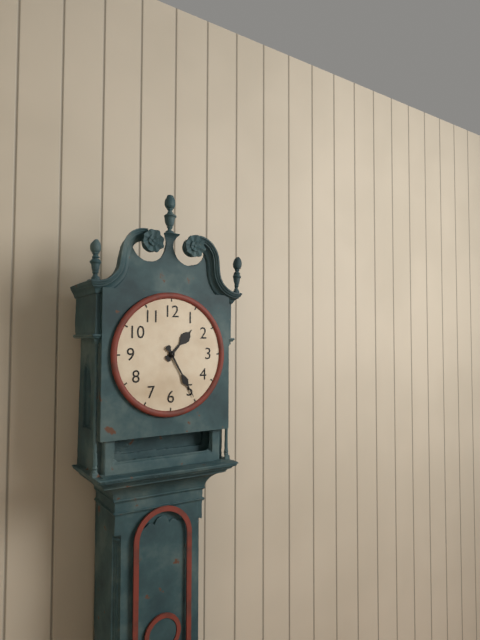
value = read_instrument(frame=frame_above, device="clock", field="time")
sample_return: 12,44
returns 1,25
